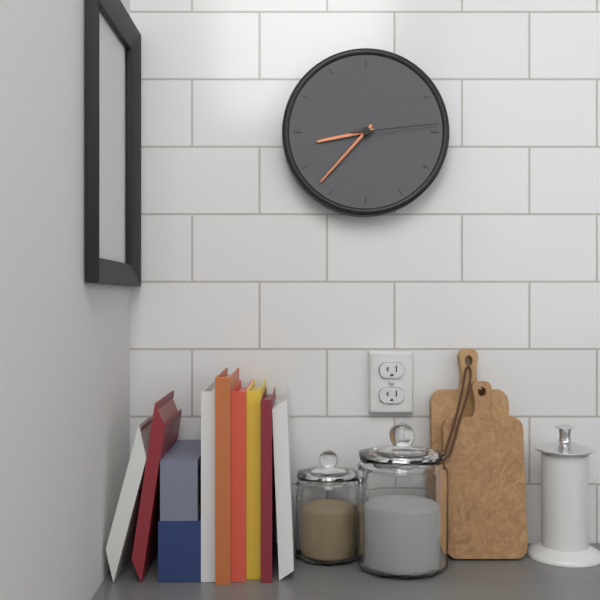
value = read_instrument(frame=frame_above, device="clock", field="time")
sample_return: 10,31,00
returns 8,37,14
